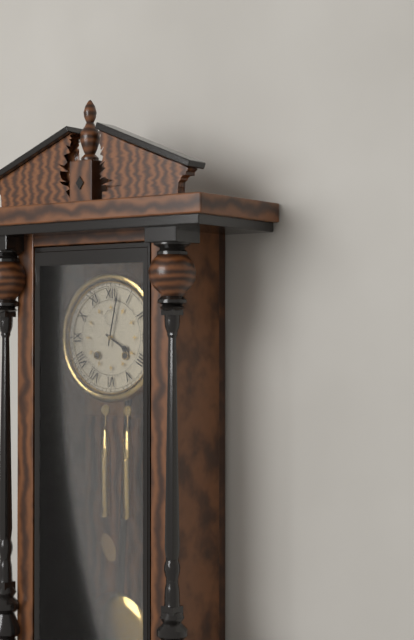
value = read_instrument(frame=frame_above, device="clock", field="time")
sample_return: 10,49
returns 4,02
